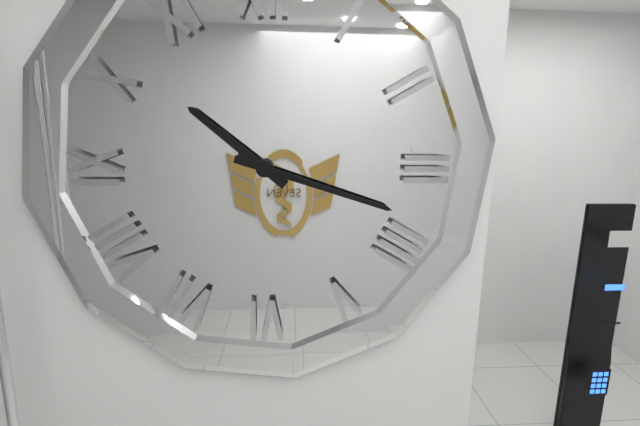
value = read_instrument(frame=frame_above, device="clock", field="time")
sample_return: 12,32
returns 10,18
